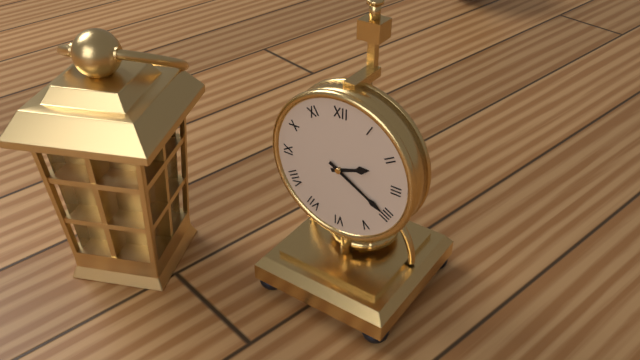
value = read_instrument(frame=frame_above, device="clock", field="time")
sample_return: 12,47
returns 2,20
